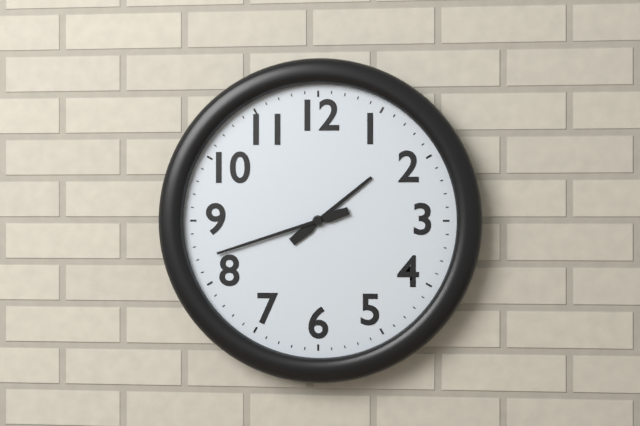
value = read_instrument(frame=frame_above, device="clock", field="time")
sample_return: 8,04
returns 1,42
